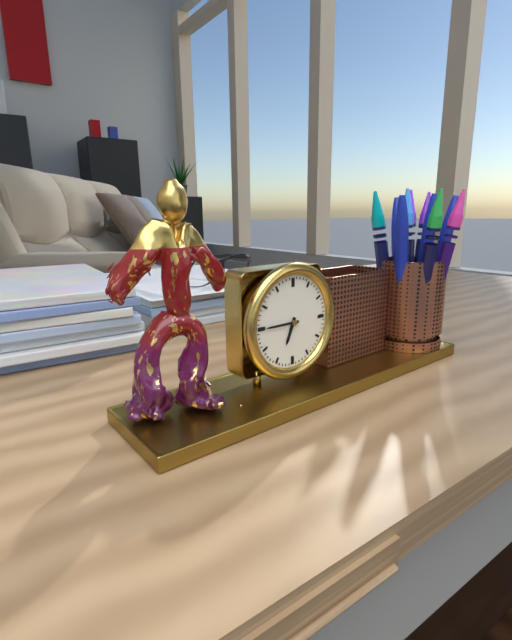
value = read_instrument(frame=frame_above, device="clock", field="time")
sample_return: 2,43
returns 6,45
